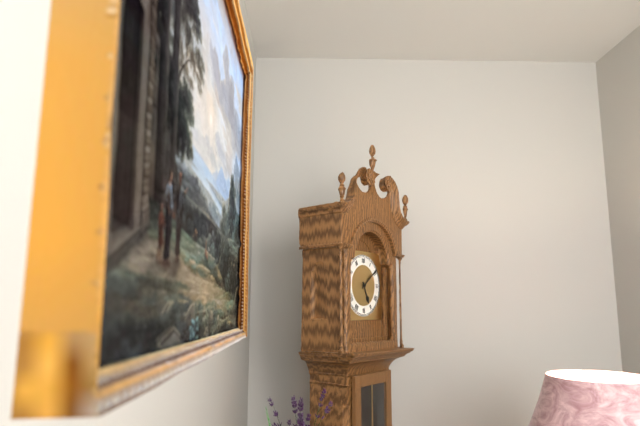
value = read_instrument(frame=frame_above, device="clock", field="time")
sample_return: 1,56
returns 5,09
